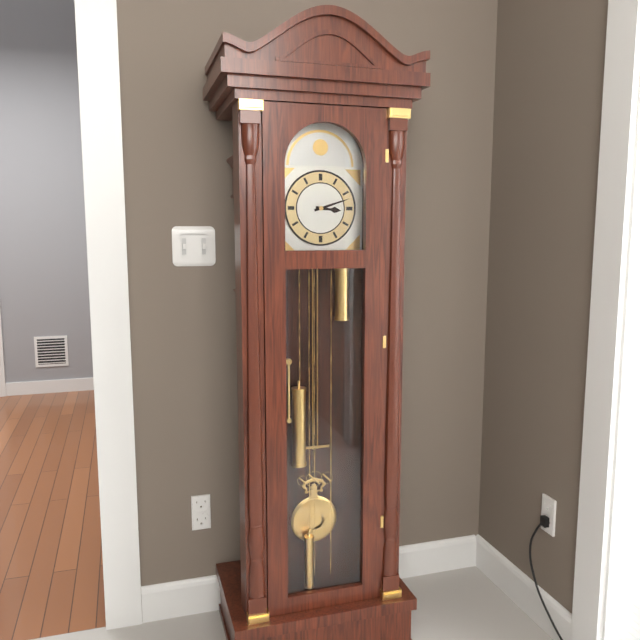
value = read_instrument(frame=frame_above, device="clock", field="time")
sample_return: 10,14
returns 3,12
